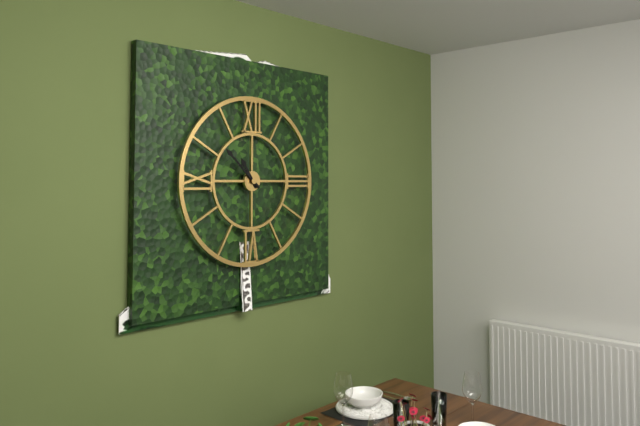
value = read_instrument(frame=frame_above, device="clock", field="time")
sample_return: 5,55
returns 10,52
